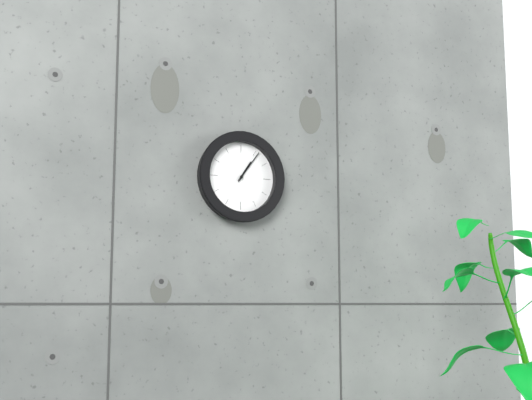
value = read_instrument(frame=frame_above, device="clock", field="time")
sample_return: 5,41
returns 1,06
